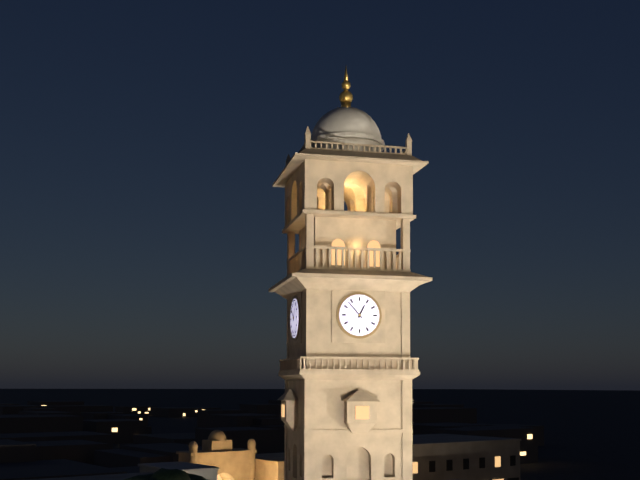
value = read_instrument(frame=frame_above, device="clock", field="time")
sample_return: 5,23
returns 12,53
